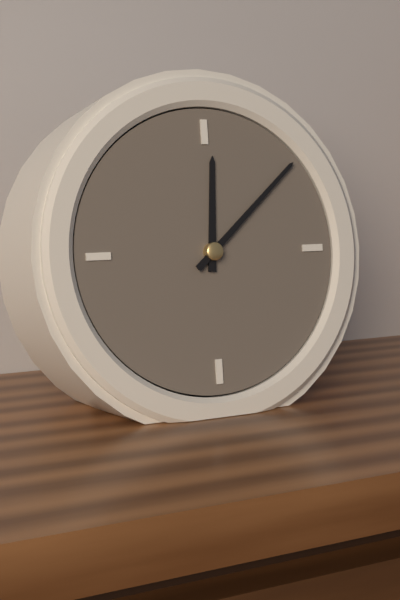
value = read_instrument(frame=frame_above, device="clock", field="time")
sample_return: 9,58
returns 12,08
